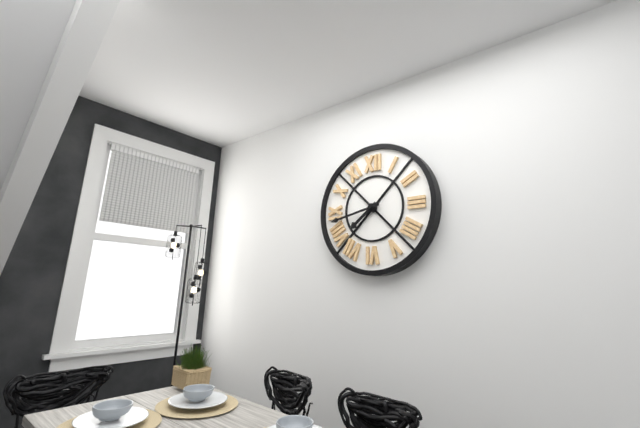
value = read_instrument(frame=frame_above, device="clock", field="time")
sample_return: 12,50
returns 7,43
